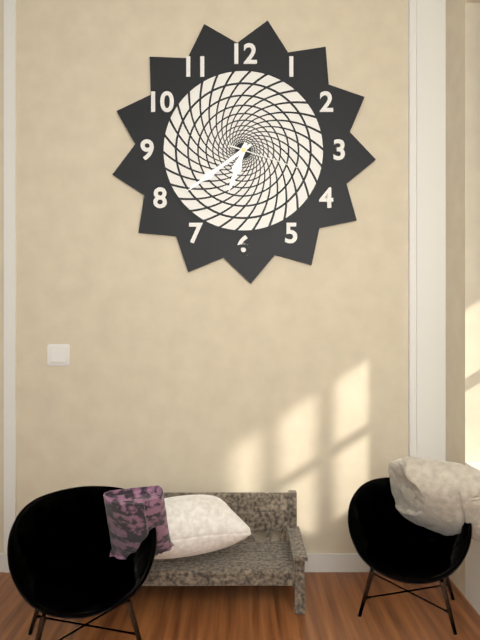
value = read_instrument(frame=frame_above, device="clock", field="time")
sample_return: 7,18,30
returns 6,39,18
